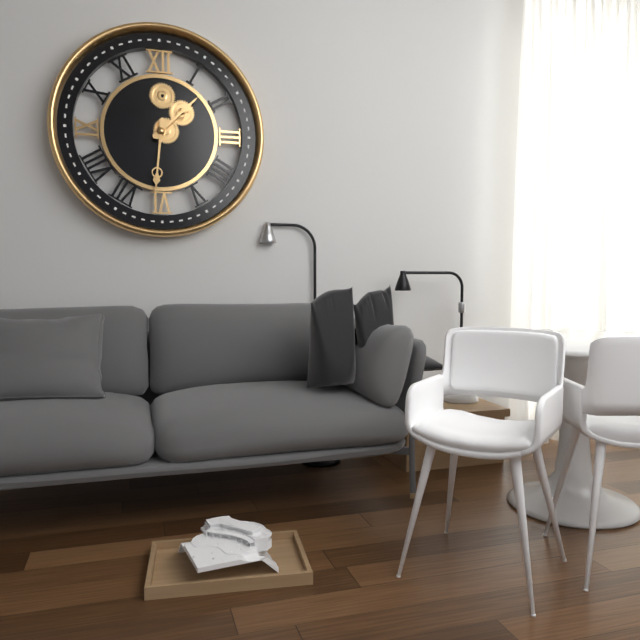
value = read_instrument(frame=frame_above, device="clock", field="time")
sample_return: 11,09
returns 1,31
